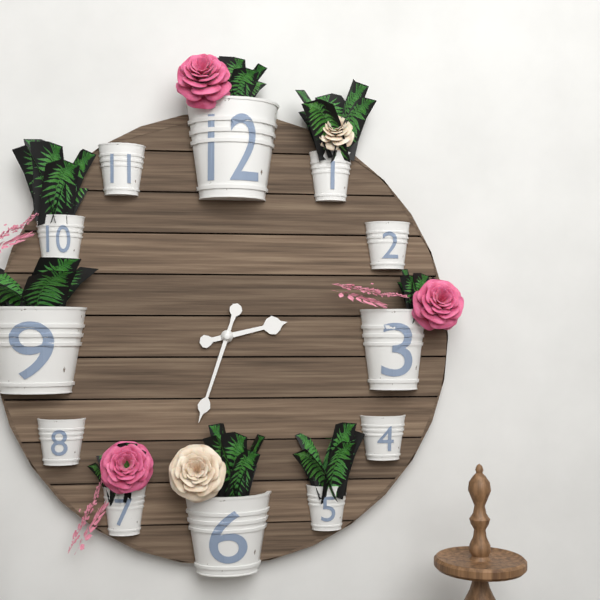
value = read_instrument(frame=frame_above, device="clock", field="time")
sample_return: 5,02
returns 2,33
